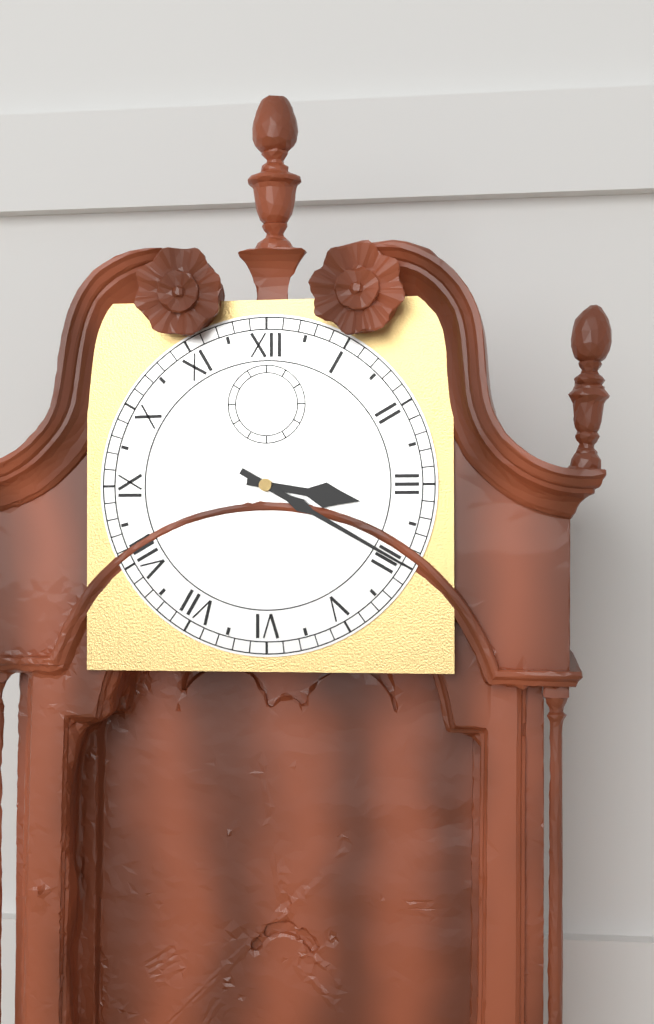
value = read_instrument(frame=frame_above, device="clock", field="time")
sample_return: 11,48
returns 3,20
